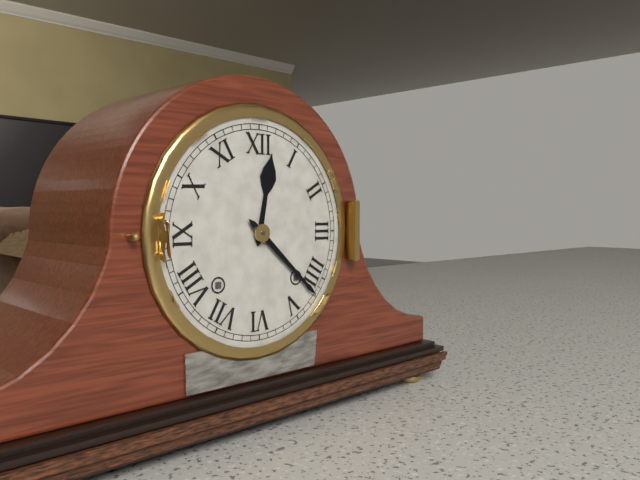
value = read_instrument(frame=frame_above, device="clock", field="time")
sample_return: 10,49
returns 12,22
